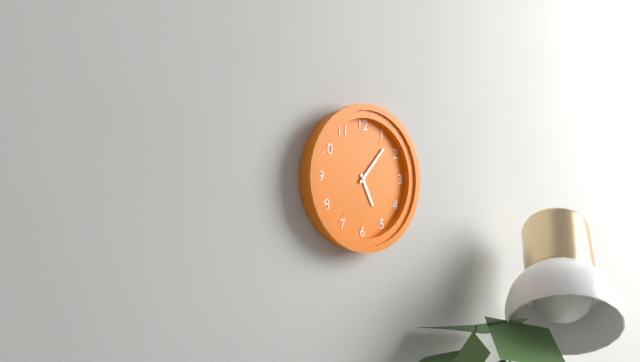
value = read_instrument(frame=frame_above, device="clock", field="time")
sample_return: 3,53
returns 5,07
